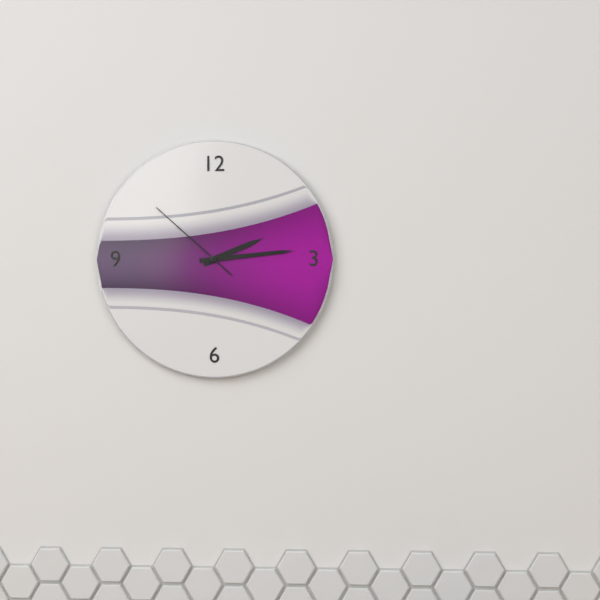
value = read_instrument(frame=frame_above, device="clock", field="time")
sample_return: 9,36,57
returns 2,14,52
